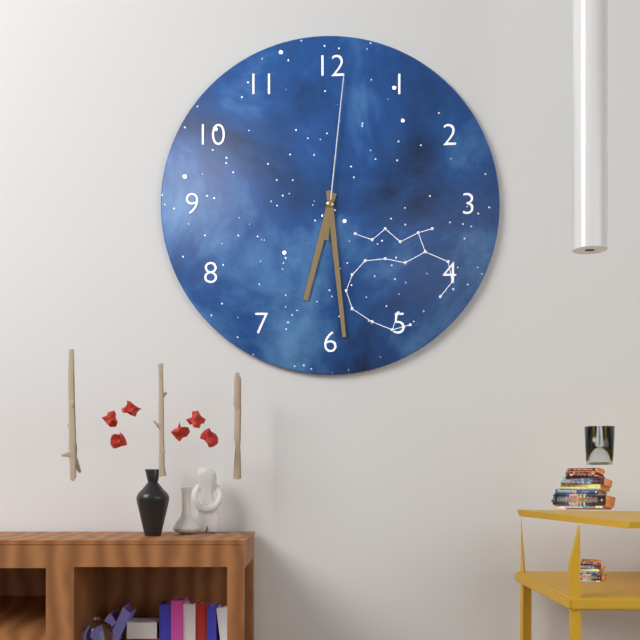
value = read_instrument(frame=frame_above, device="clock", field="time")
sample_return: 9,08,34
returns 6,29,01
